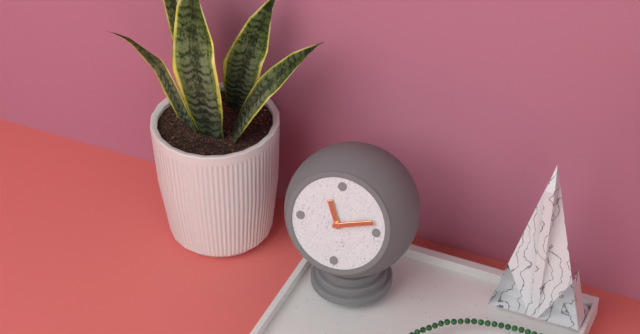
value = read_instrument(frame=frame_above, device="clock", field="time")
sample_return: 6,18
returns 11,12
